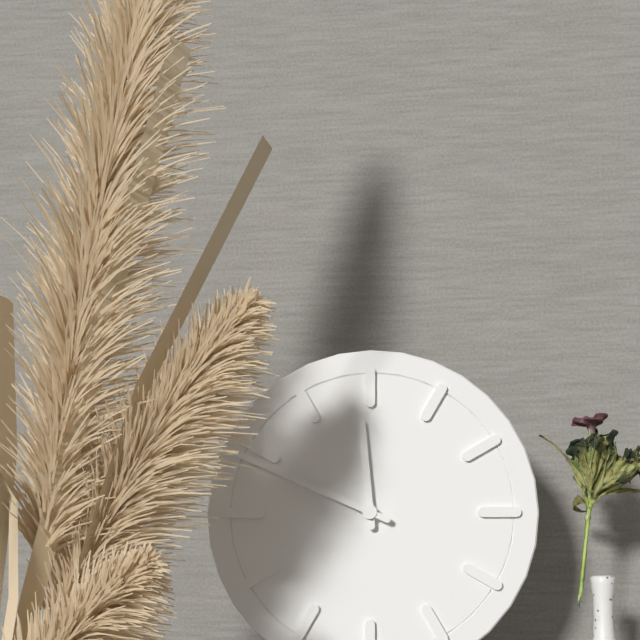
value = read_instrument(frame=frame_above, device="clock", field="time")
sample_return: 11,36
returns 11,49
